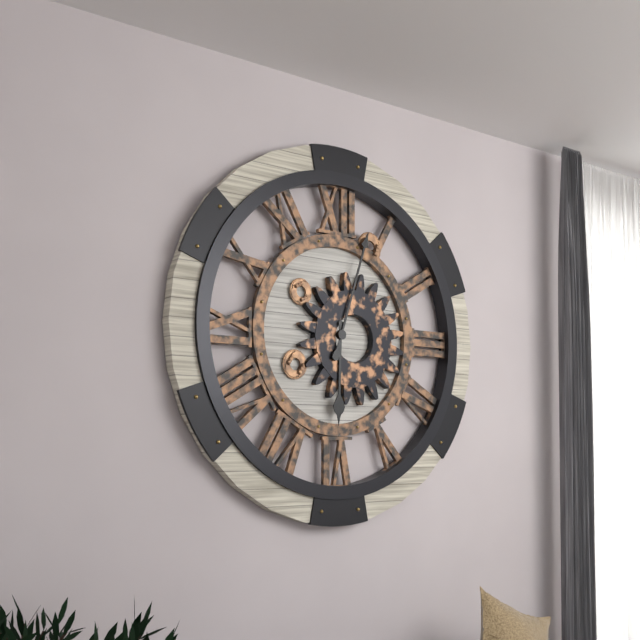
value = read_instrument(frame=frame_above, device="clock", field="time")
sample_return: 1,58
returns 6,03
